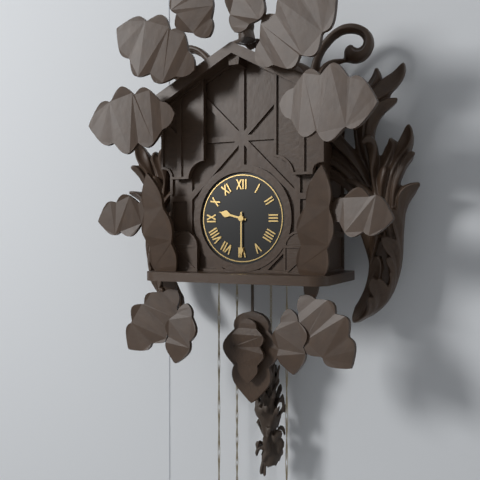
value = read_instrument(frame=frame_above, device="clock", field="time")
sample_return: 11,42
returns 9,30
